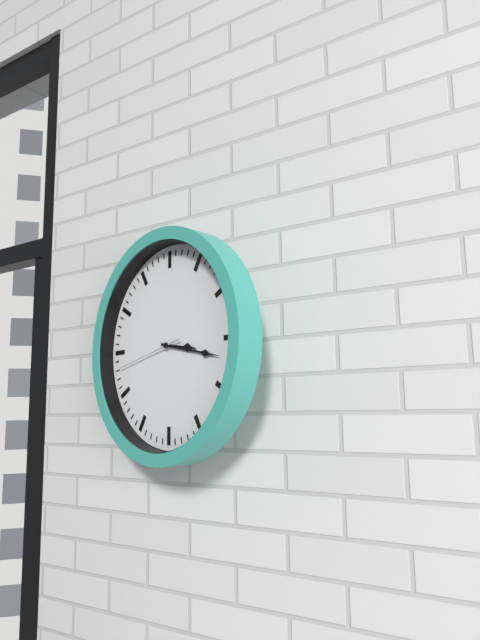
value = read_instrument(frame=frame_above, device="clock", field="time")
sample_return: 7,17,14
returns 3,17,43
